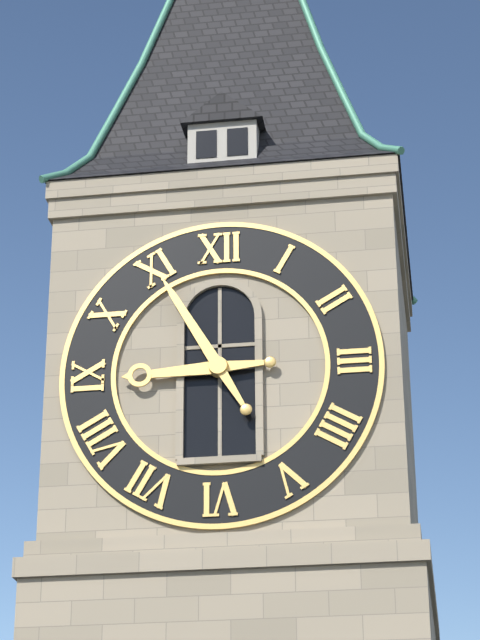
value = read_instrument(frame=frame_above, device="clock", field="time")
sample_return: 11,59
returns 8,55
